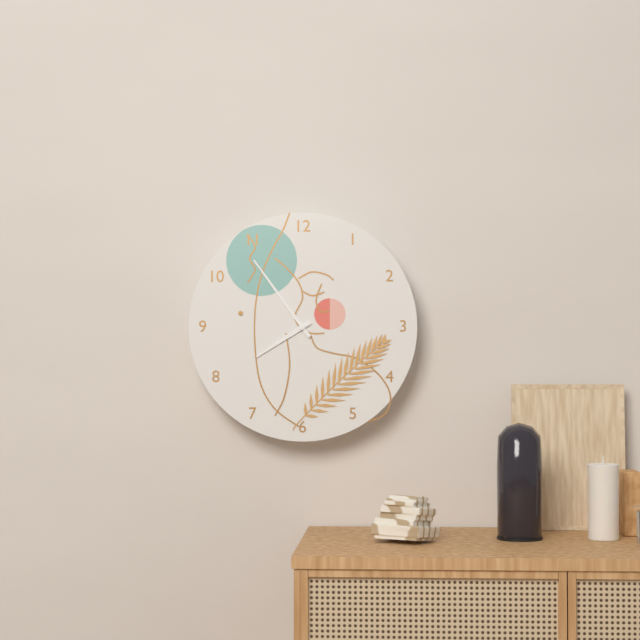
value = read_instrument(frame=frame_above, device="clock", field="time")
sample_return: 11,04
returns 7,54
